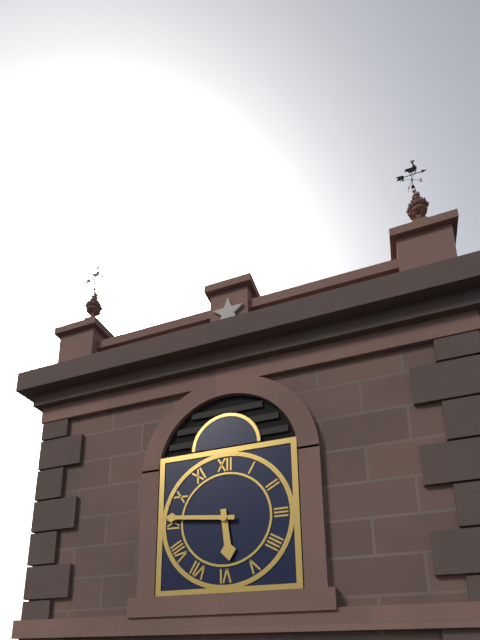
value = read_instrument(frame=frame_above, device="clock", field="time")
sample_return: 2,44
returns 5,46
